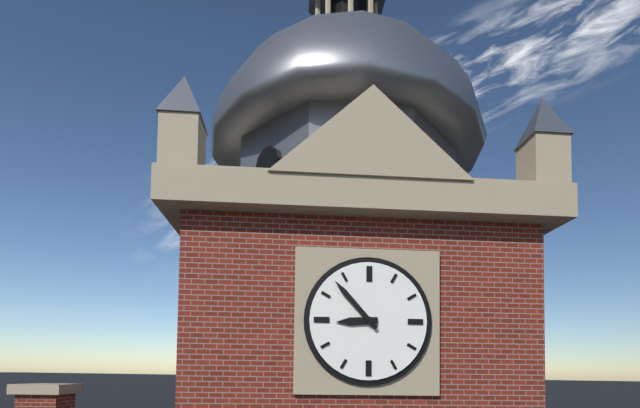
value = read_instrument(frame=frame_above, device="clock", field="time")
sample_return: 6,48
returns 8,53
